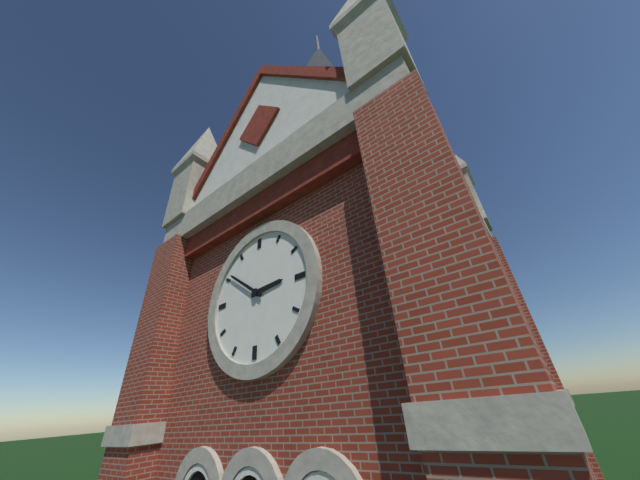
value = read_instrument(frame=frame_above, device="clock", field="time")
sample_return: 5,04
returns 2,51
